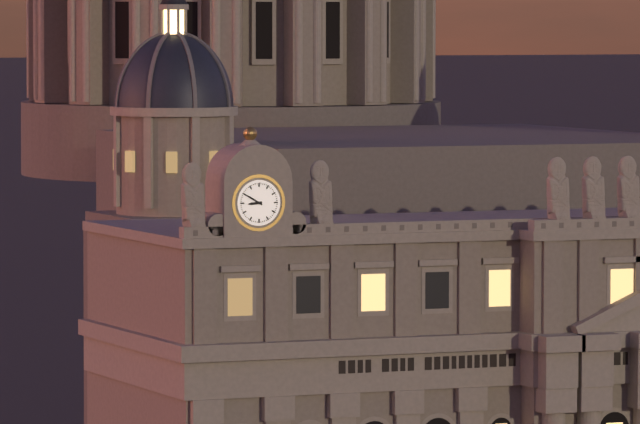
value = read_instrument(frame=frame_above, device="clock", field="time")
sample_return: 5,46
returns 8,50
